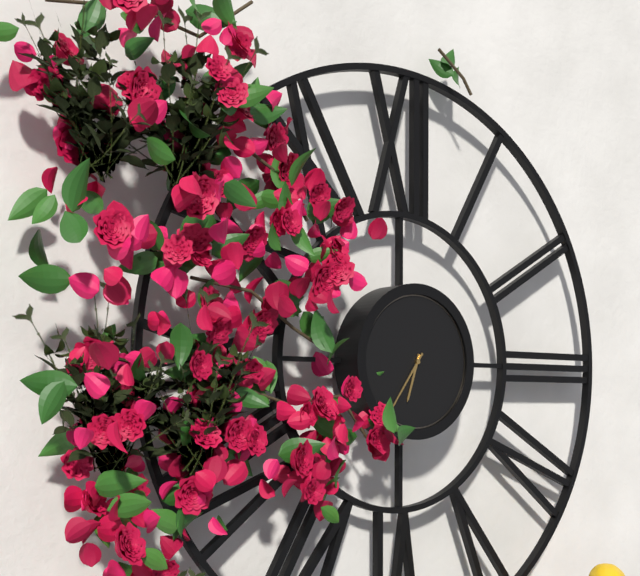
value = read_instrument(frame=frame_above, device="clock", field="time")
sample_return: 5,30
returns 6,36
